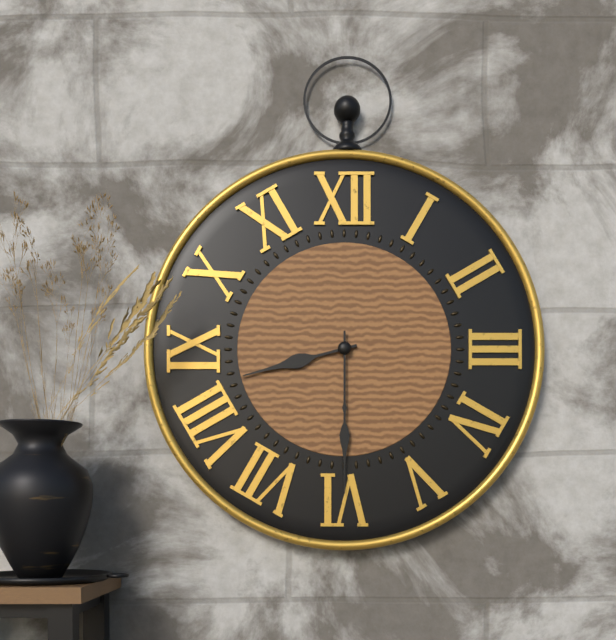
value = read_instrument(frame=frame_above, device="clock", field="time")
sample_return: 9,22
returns 8,30
